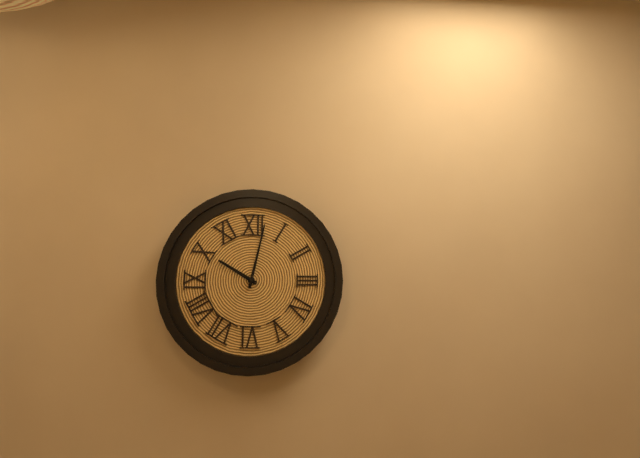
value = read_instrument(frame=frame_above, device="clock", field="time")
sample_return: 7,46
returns 10,02
